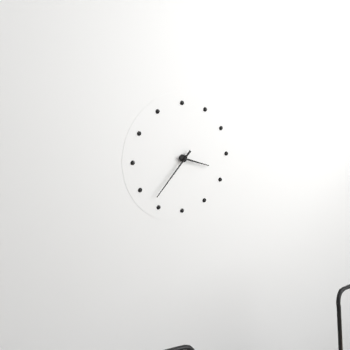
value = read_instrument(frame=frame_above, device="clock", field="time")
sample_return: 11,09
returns 3,37
